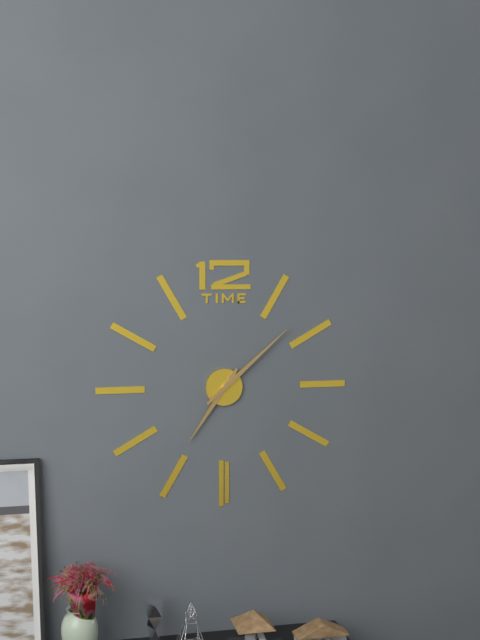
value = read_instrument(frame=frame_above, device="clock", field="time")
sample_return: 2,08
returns 7,08
